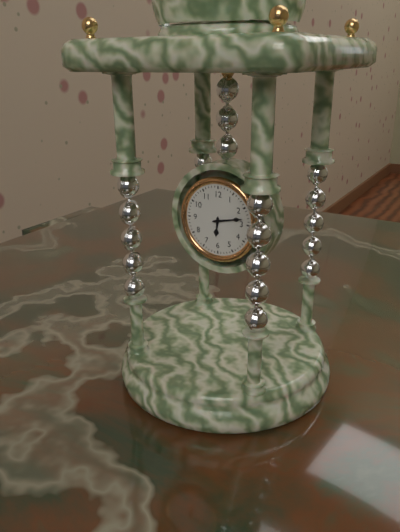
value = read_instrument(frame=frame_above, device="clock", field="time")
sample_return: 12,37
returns 6,13
